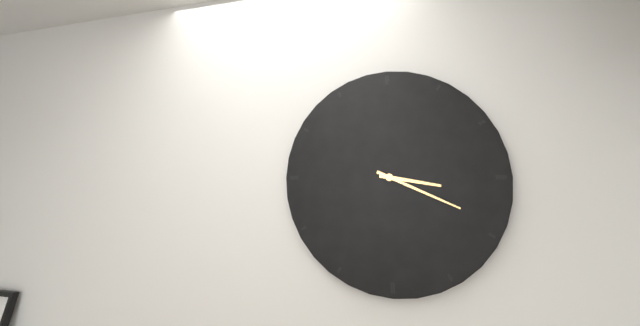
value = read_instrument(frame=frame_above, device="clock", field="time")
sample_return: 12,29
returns 3,19
